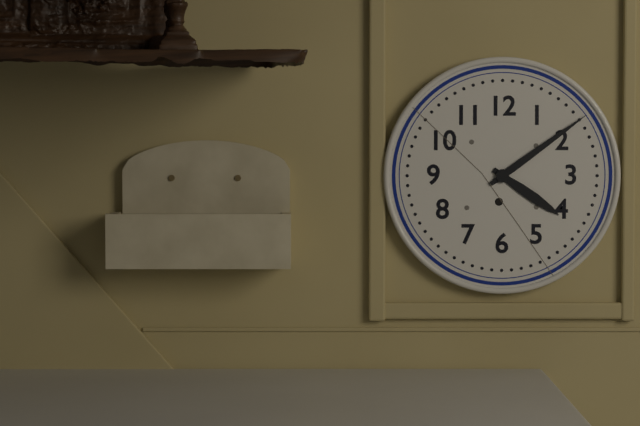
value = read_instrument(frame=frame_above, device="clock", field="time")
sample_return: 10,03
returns 4,09
